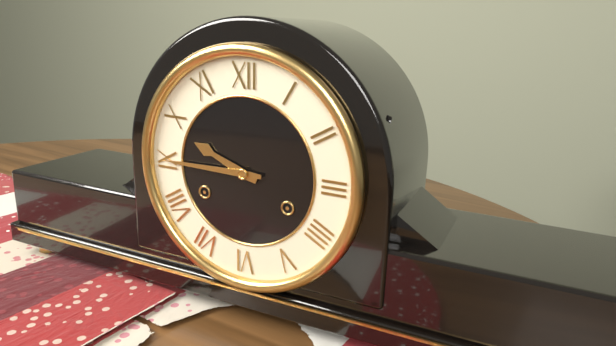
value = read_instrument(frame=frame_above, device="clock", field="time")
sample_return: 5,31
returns 9,45
